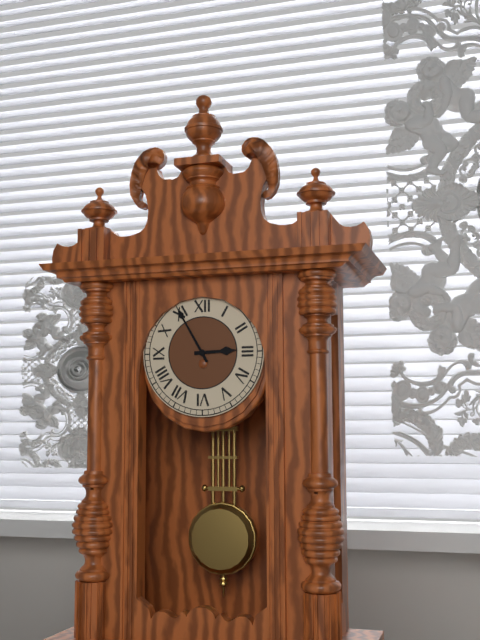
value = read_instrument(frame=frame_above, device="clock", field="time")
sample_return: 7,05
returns 2,55
